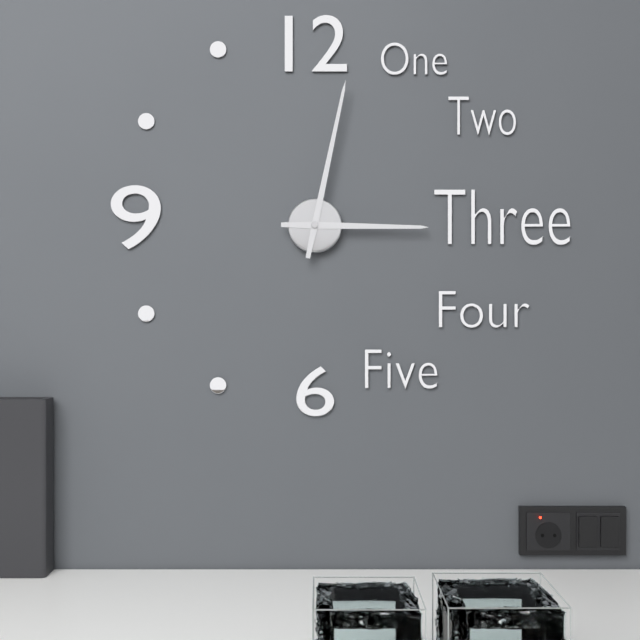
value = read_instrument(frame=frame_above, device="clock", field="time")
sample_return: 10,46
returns 3,02
